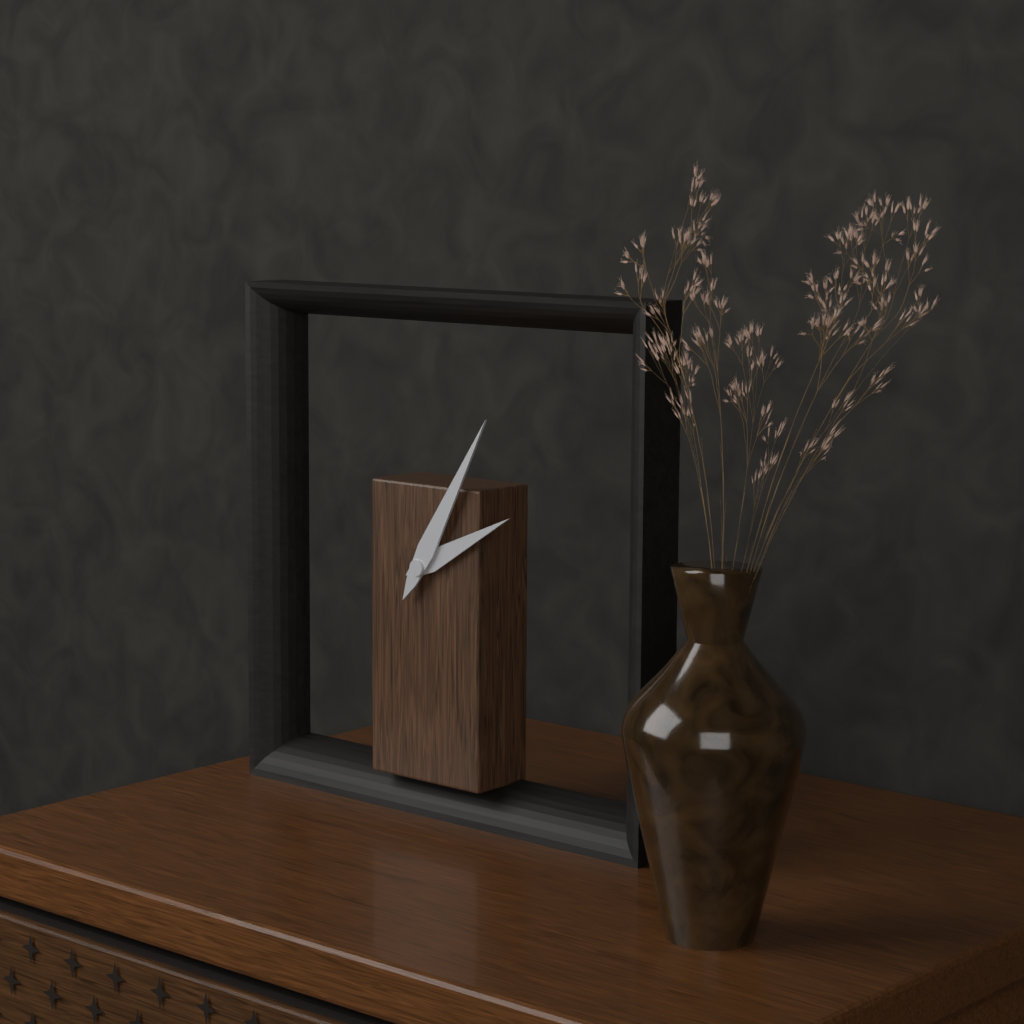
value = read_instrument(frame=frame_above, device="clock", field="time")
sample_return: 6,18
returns 2,05
